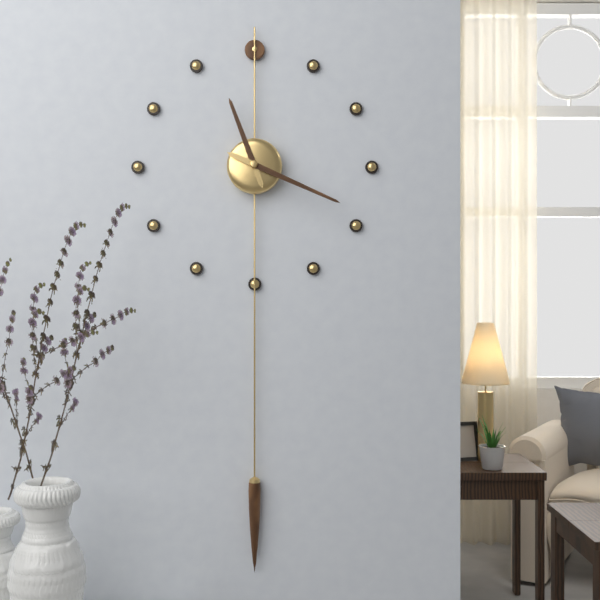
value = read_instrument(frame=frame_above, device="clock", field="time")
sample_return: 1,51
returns 11,19
